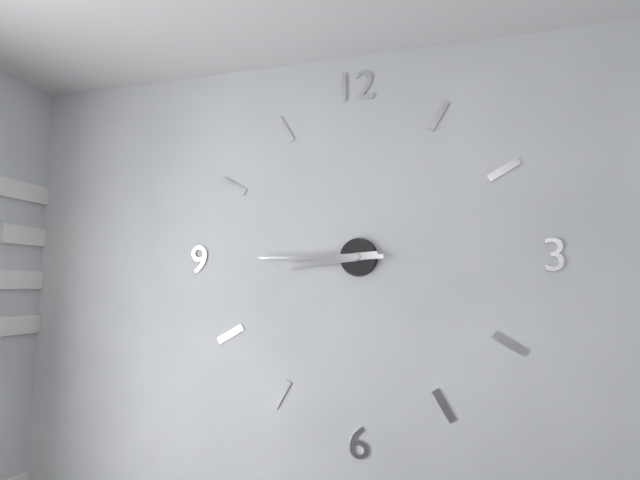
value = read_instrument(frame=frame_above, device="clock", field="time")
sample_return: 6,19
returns 8,45
